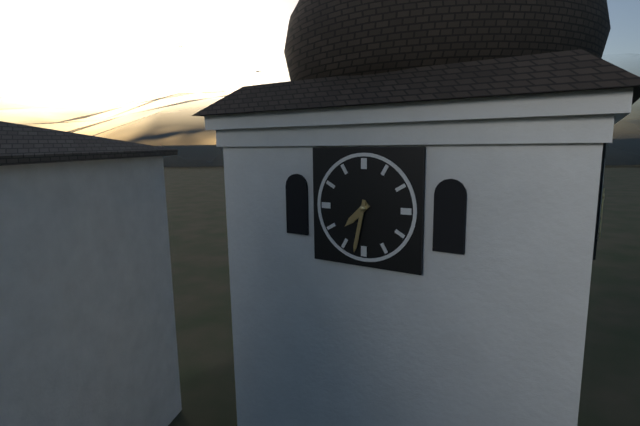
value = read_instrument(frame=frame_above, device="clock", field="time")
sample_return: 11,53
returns 7,32
